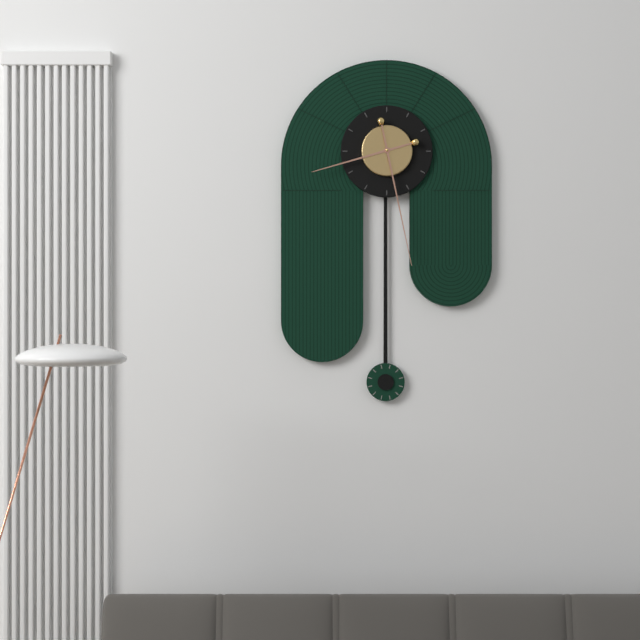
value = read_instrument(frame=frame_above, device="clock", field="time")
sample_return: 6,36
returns 8,28
